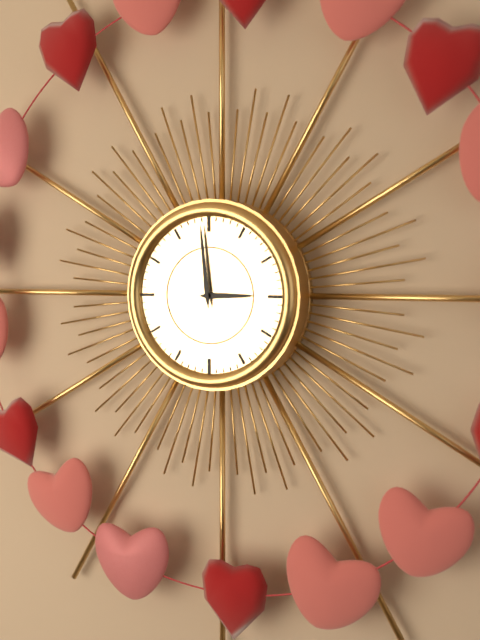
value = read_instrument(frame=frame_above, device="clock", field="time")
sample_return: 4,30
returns 2,59
